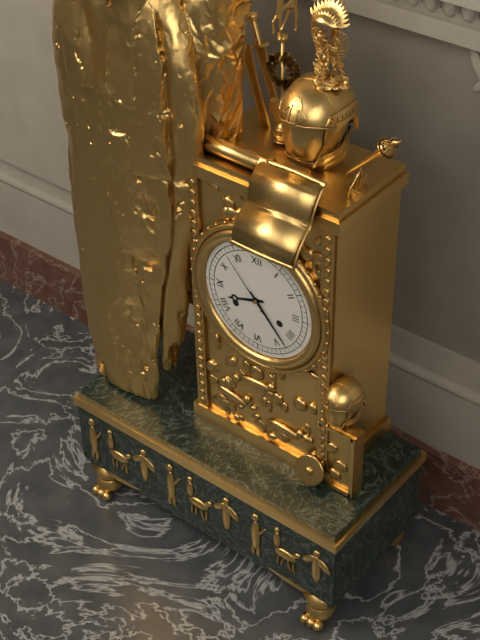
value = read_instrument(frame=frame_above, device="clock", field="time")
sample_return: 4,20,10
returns 8,23,53
